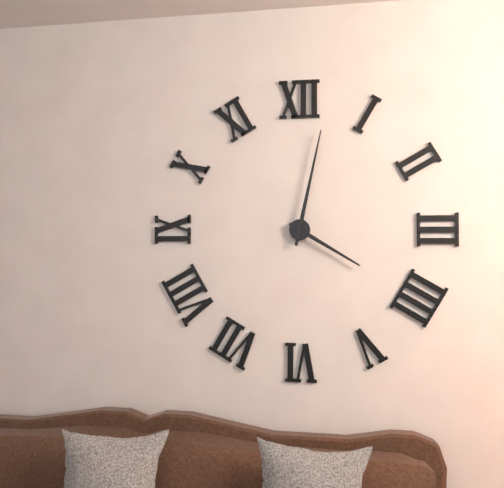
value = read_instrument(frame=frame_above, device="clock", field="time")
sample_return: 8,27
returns 4,02
